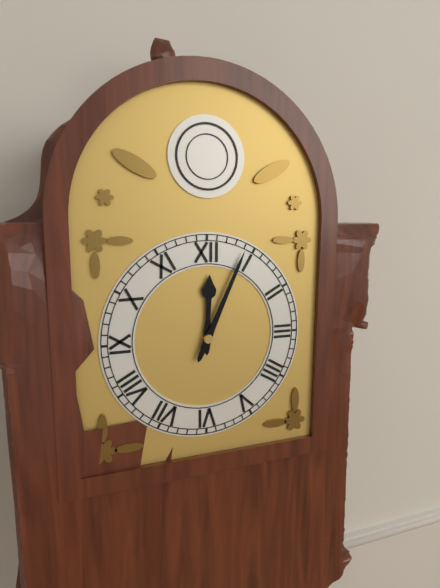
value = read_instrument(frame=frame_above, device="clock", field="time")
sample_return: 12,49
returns 12,04
